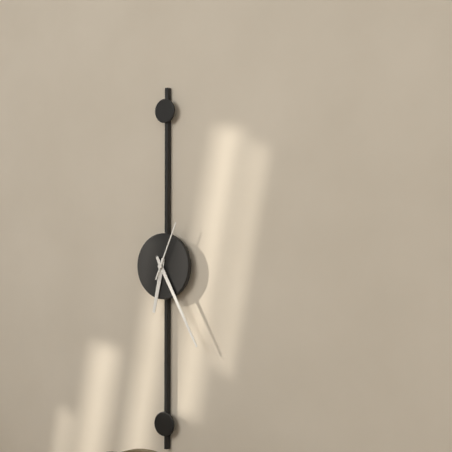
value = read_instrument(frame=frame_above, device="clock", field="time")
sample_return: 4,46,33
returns 6,25,04
